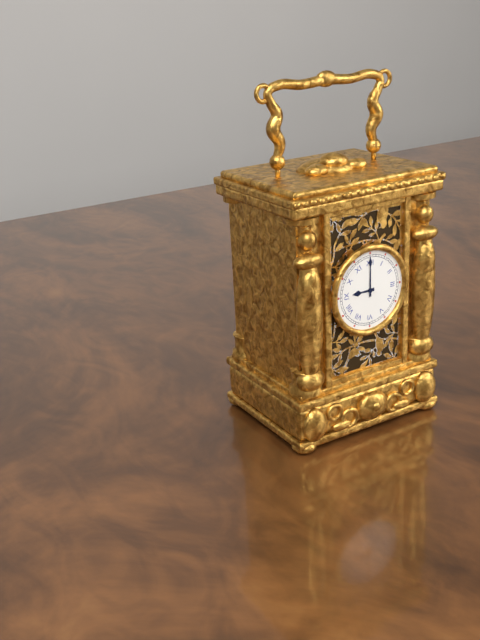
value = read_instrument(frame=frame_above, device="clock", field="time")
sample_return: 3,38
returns 9,00
